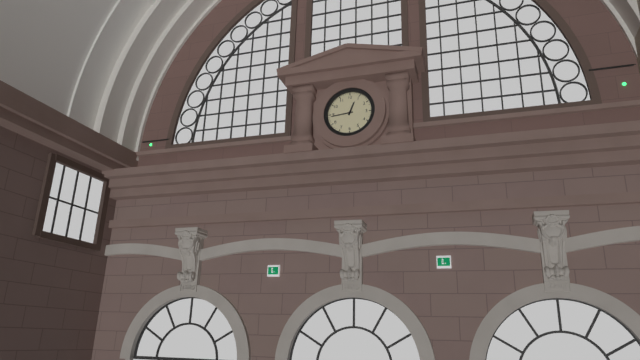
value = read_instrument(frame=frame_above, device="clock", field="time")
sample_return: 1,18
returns 12,44
